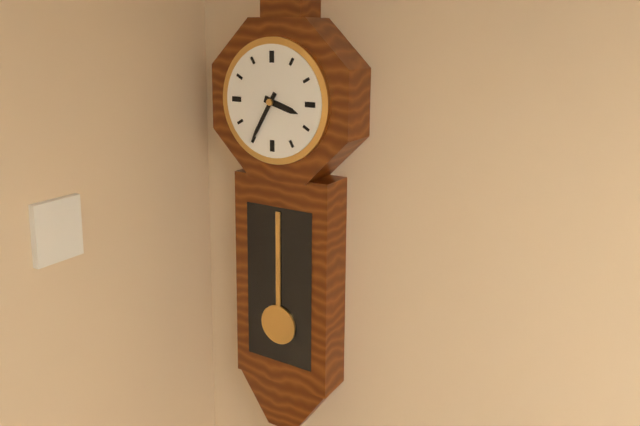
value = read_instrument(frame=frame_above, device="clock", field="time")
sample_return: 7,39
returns 3,35
